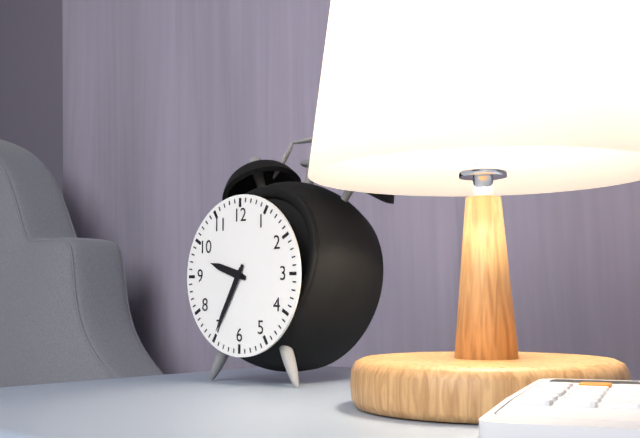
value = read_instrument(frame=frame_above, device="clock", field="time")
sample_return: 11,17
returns 9,35
